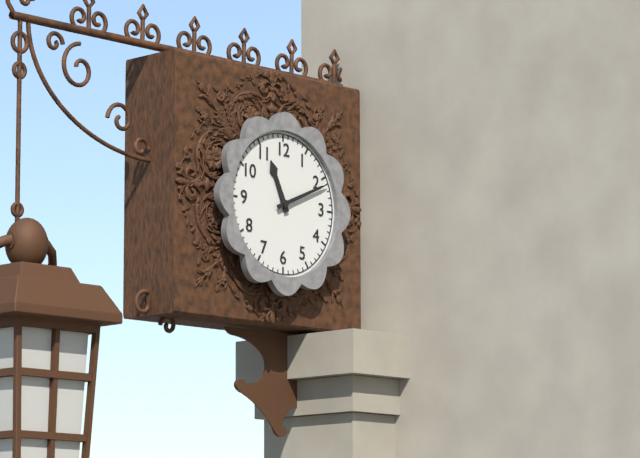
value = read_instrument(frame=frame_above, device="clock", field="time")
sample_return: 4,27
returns 11,11
